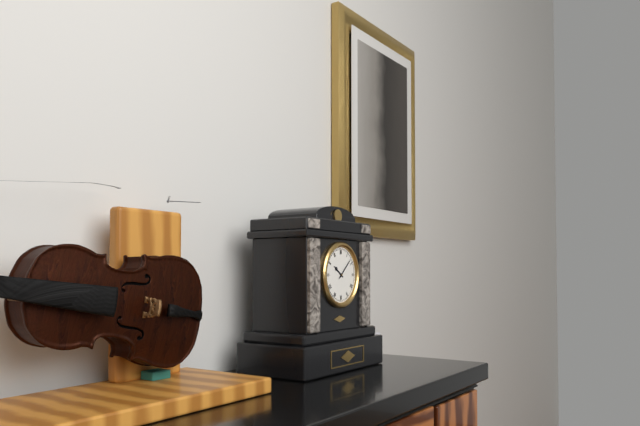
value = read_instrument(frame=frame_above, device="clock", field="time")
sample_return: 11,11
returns 10,08
